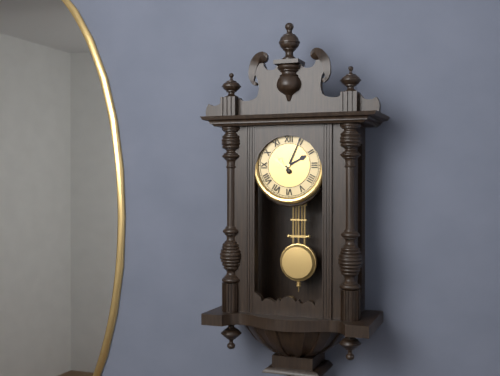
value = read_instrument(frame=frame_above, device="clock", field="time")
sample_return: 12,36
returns 2,04
